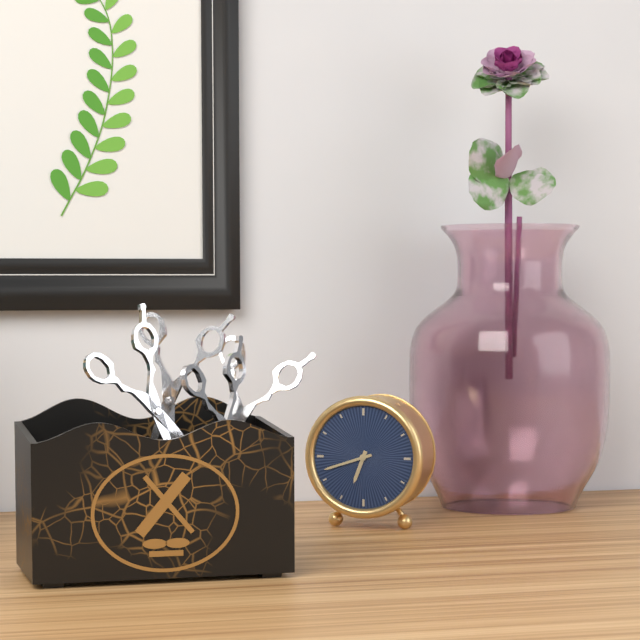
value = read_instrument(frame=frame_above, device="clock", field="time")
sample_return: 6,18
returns 6,42
